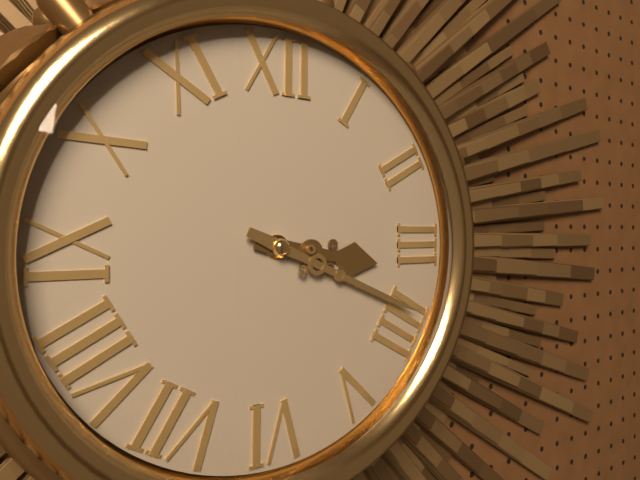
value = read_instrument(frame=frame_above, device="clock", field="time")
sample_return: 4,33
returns 3,19
